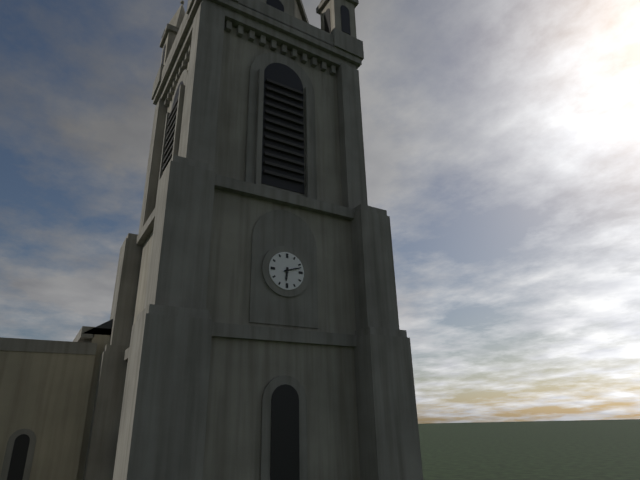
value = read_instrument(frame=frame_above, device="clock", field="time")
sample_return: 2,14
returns 6,12
